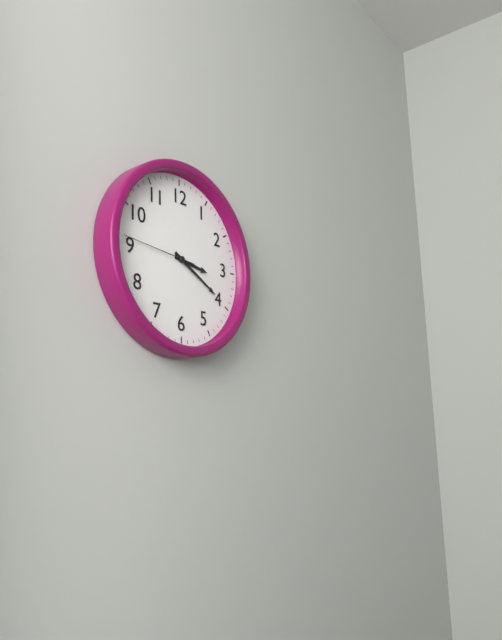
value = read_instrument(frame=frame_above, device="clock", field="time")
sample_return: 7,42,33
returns 3,20,46
